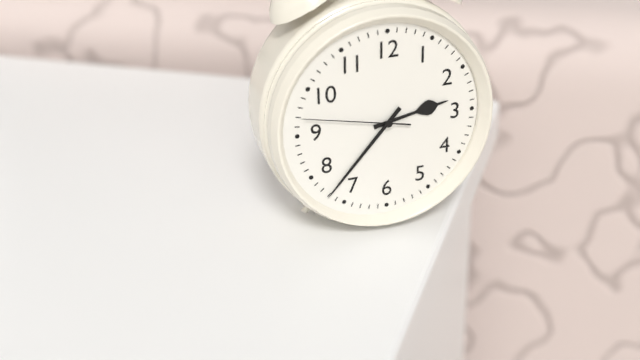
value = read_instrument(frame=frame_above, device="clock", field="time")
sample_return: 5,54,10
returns 2,37,47
